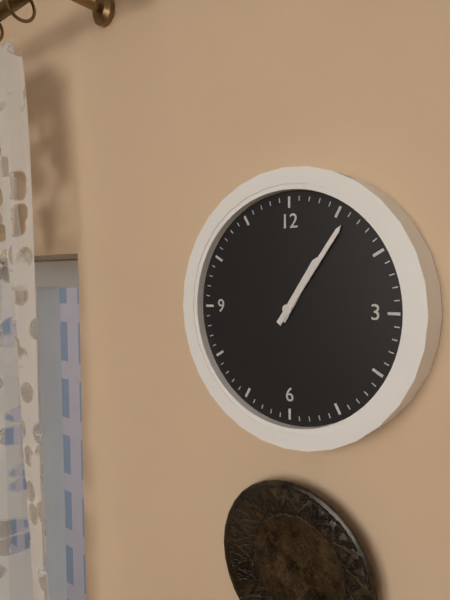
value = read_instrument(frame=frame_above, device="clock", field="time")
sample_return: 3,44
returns 1,06
